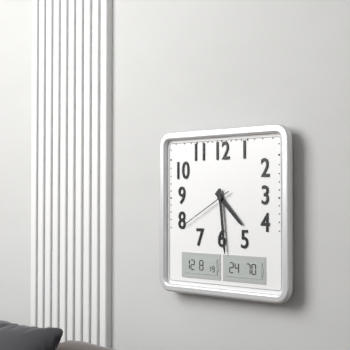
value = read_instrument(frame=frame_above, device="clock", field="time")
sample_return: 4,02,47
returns 4,29,40
